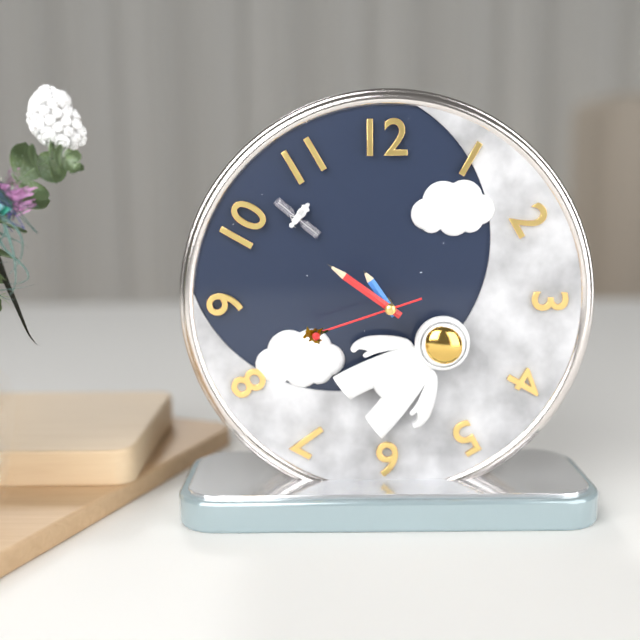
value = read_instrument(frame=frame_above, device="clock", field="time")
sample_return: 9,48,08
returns 10,51,42
